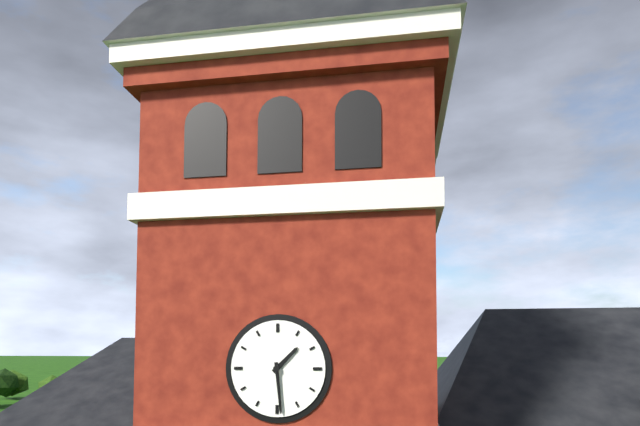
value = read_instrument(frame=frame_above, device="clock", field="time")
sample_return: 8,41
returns 1,29
